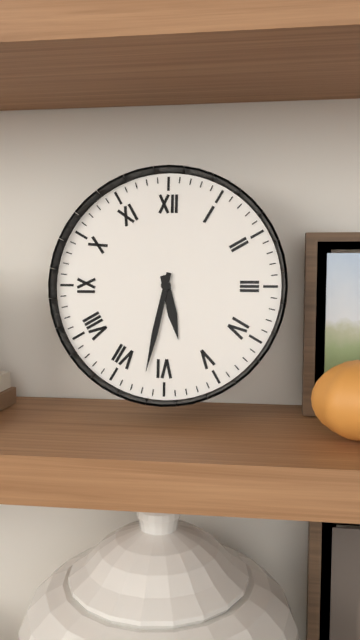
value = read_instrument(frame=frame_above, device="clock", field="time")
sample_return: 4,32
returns 5,32
